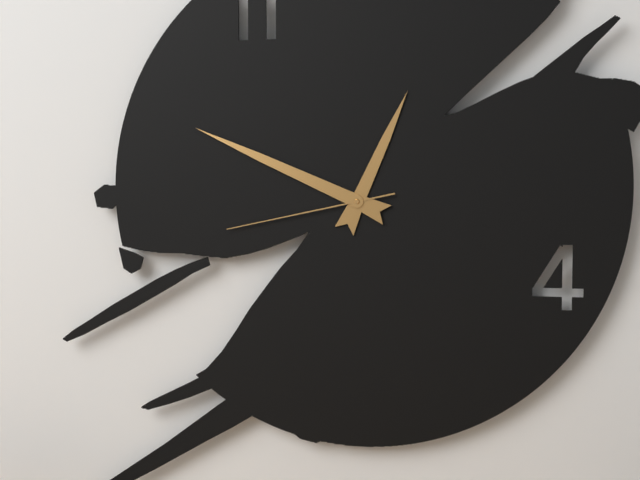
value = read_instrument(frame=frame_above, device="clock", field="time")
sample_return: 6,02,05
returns 12,49,43
